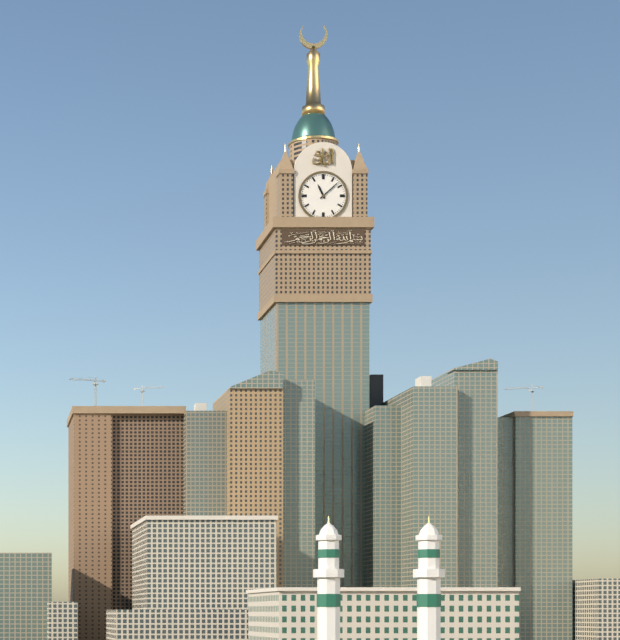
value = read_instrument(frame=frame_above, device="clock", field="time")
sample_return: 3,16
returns 11,08
